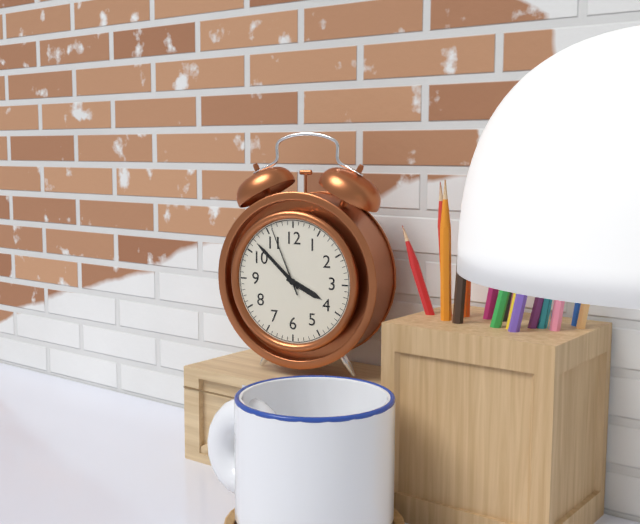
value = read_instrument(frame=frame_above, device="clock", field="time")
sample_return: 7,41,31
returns 3,52,56
